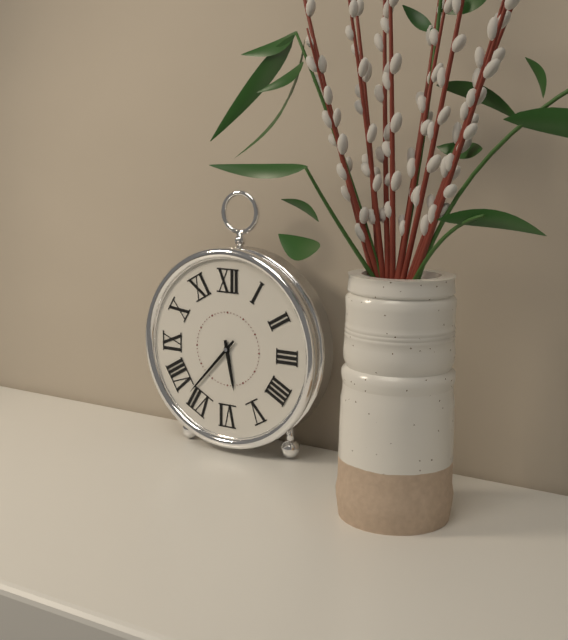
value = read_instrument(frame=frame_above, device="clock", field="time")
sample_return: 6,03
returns 5,37
